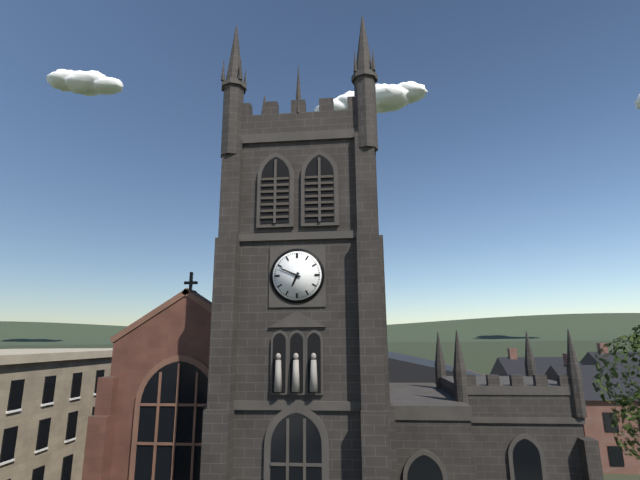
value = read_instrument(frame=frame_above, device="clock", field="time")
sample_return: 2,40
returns 6,49
